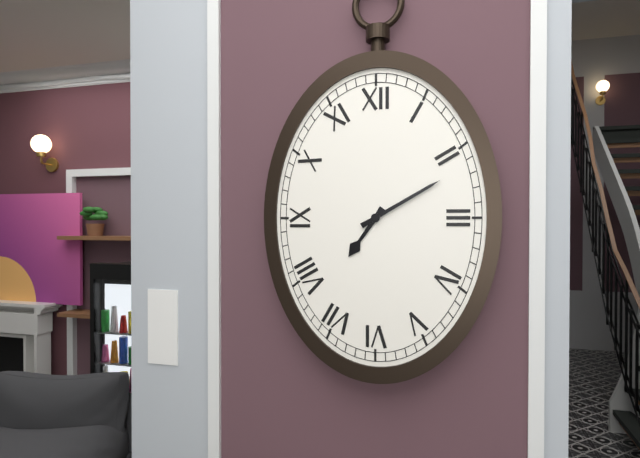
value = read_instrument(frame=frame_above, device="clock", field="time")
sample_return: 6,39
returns 7,10
